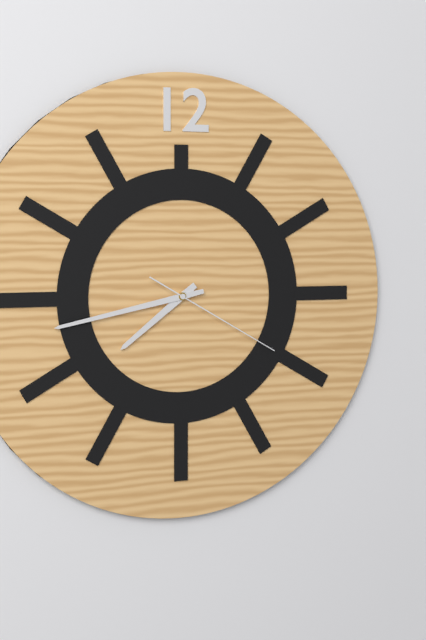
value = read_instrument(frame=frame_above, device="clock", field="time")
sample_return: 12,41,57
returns 7,43,20
